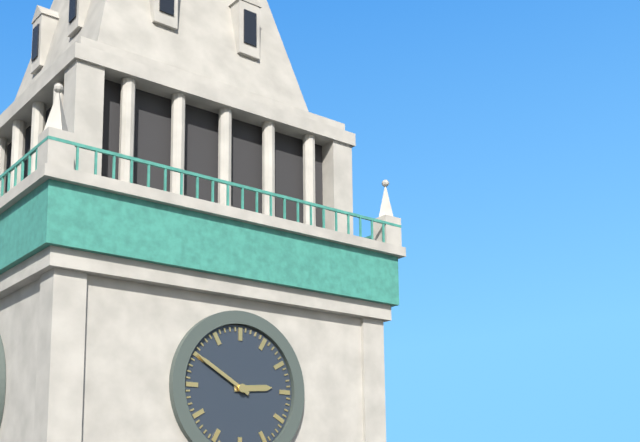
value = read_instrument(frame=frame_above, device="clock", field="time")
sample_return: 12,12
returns 2,50
